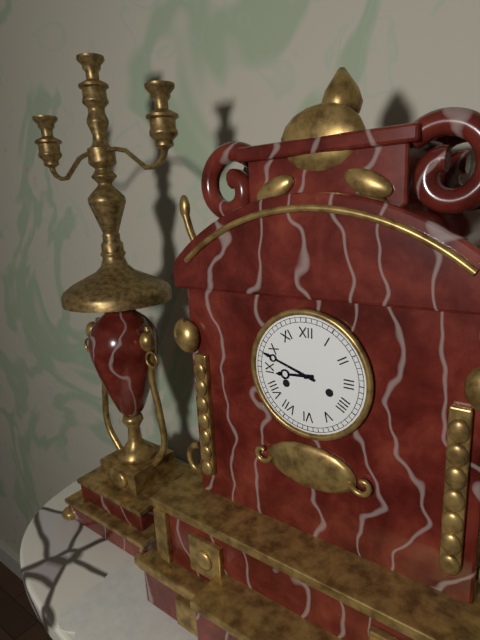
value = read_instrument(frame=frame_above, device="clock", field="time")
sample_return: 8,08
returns 8,48
